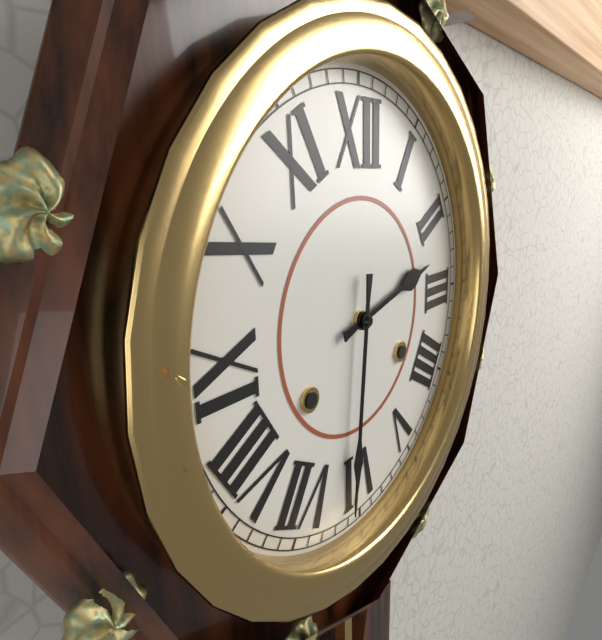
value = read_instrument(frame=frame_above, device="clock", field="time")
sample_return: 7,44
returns 2,31
